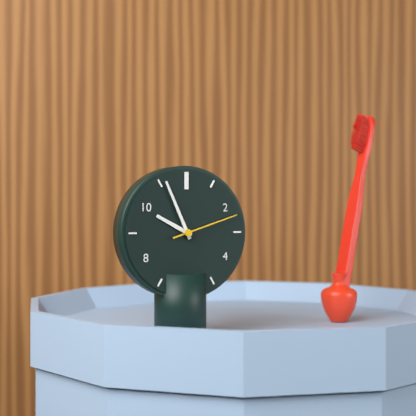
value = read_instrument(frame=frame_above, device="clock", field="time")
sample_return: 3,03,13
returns 9,56,12
